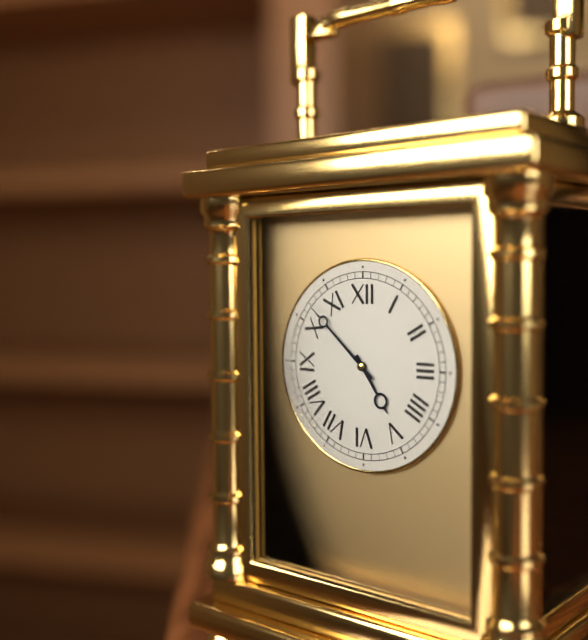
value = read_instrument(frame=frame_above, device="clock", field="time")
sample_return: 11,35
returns 4,52
